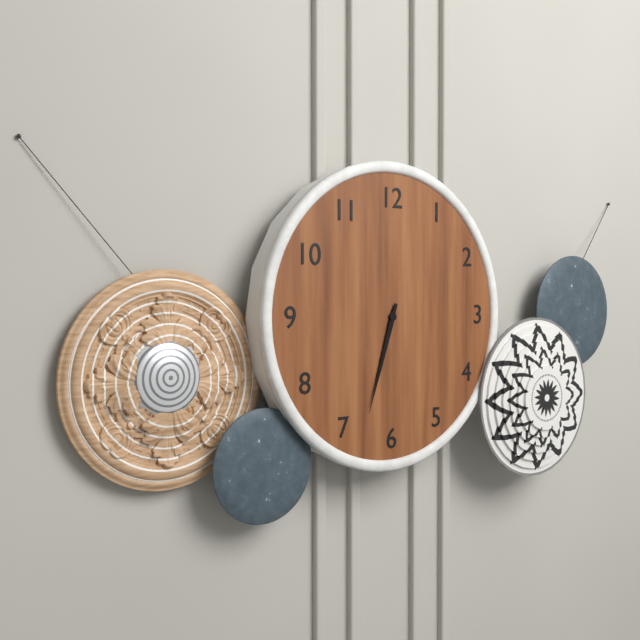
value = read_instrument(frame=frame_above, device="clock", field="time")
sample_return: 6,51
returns 6,33
